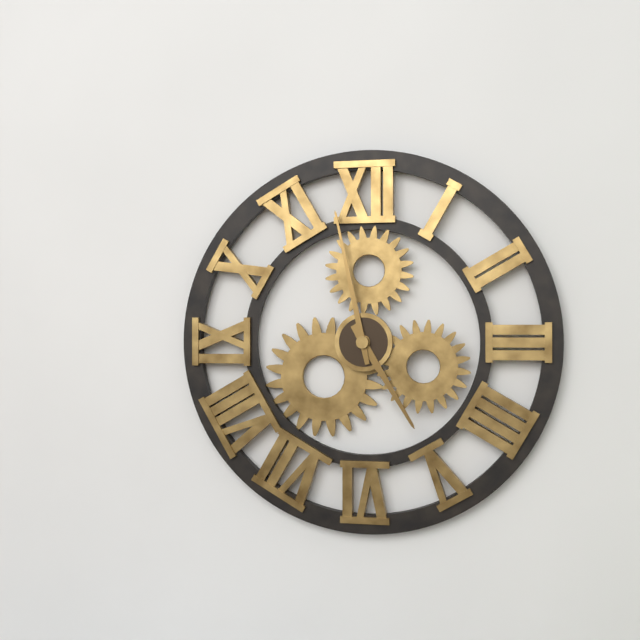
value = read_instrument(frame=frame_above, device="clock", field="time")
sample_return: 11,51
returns 4,58
